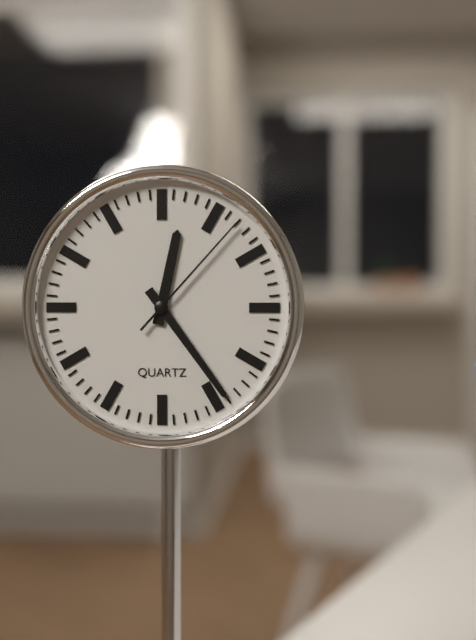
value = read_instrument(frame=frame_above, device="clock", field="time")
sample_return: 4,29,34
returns 12,24,07
